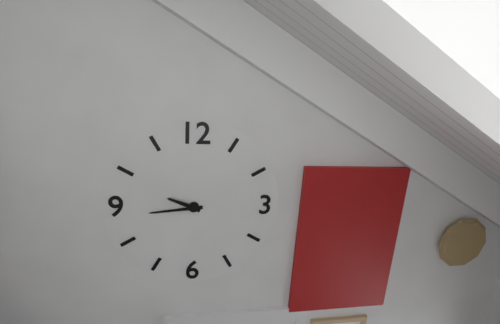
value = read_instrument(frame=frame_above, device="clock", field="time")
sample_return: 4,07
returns 9,44
